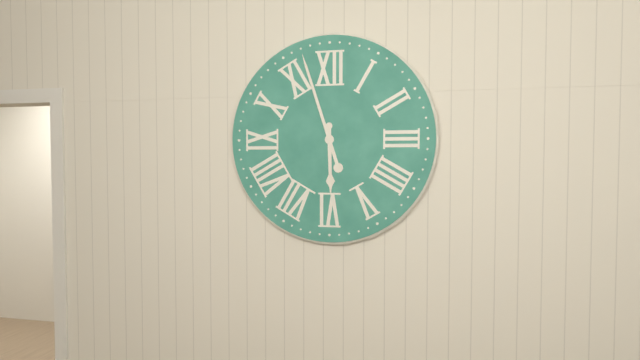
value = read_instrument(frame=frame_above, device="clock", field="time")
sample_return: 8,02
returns 5,57
